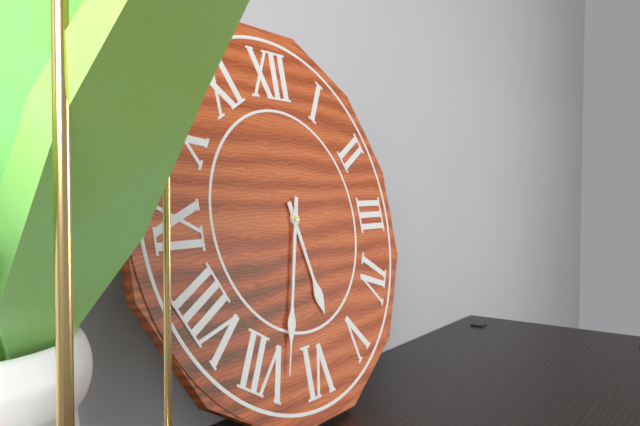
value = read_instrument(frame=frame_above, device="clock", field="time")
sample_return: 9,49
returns 5,33
